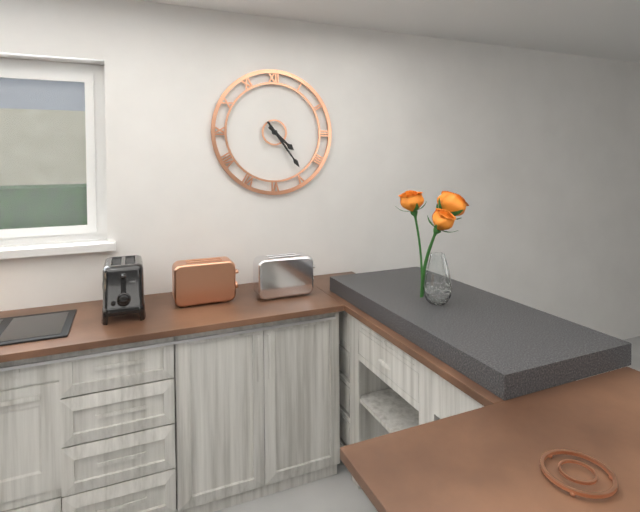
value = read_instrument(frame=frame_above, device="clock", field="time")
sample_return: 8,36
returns 4,24
